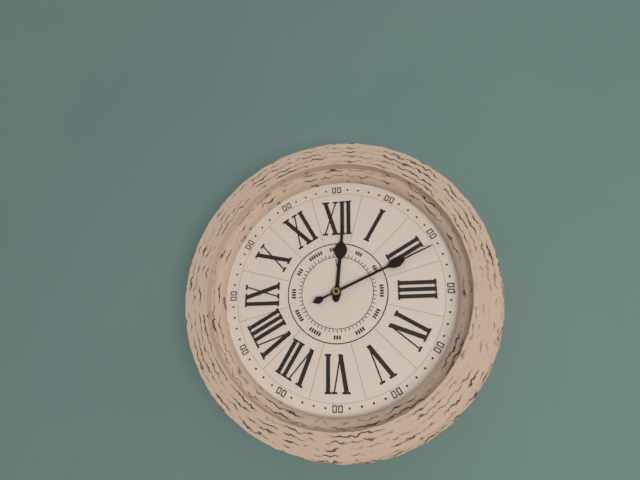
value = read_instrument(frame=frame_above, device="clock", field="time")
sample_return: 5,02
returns 12,11
